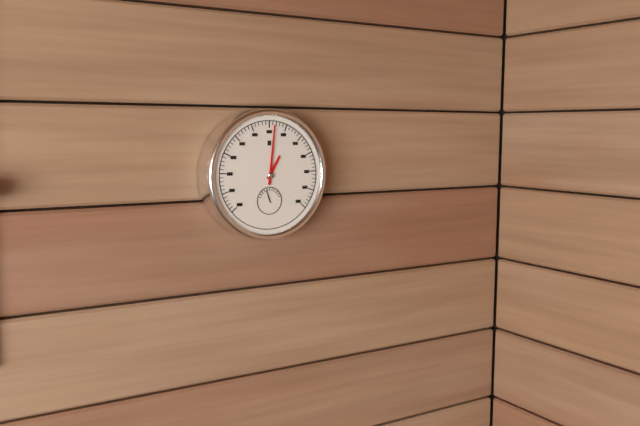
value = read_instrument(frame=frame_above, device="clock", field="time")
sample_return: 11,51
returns 1,01
